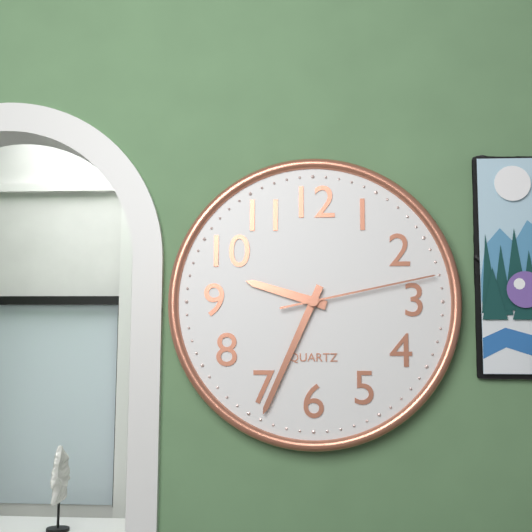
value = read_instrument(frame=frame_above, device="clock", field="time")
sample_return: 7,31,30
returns 9,34,13
